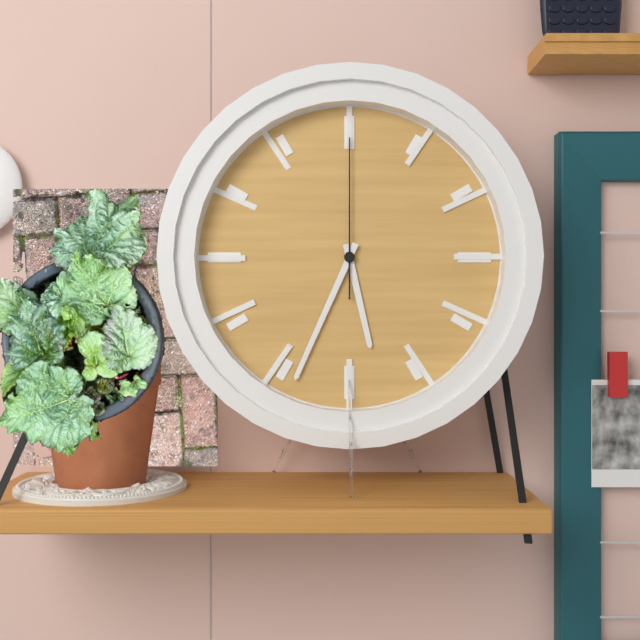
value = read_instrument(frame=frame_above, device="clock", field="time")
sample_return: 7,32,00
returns 5,34,00
